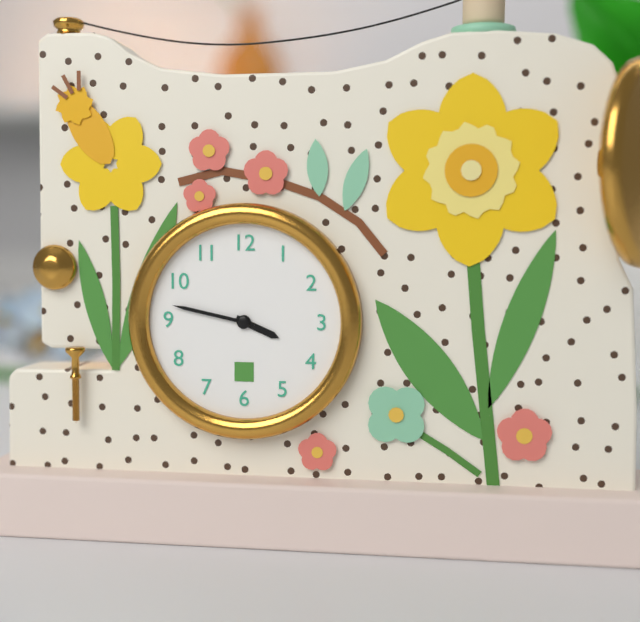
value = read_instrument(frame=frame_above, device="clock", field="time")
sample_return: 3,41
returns 3,47
